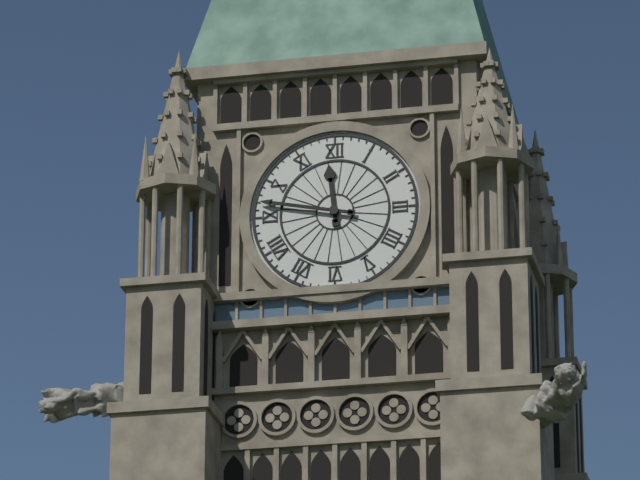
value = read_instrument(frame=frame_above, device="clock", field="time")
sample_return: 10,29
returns 11,47
